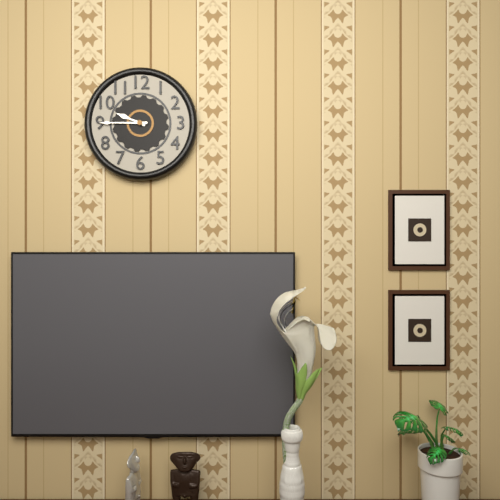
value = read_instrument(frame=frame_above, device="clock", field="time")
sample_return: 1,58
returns 9,45
